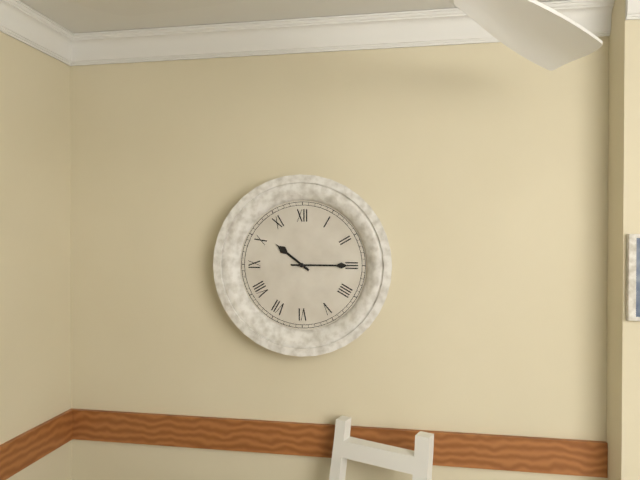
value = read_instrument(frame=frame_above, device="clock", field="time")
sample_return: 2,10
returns 10,15
